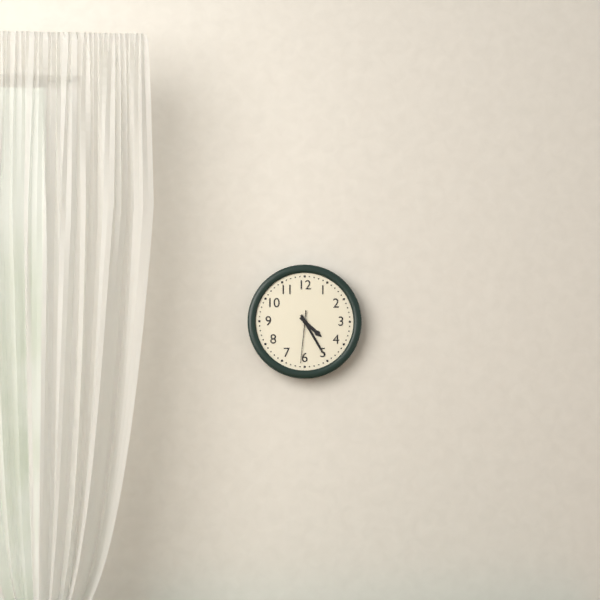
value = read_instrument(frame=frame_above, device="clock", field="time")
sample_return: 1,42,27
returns 4,25,31
